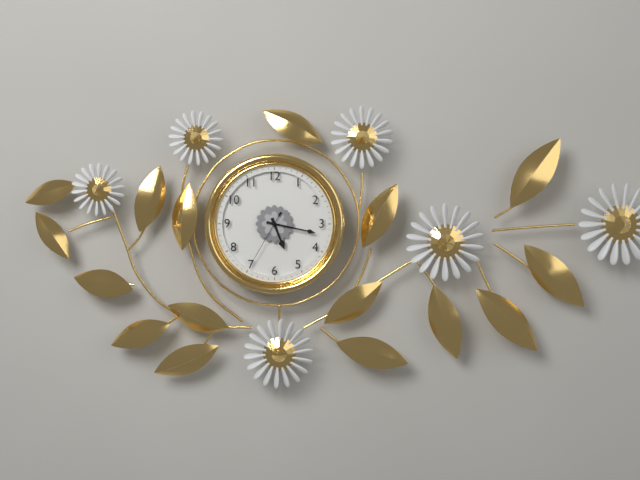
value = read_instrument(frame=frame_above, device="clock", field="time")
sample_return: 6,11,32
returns 5,17,35
